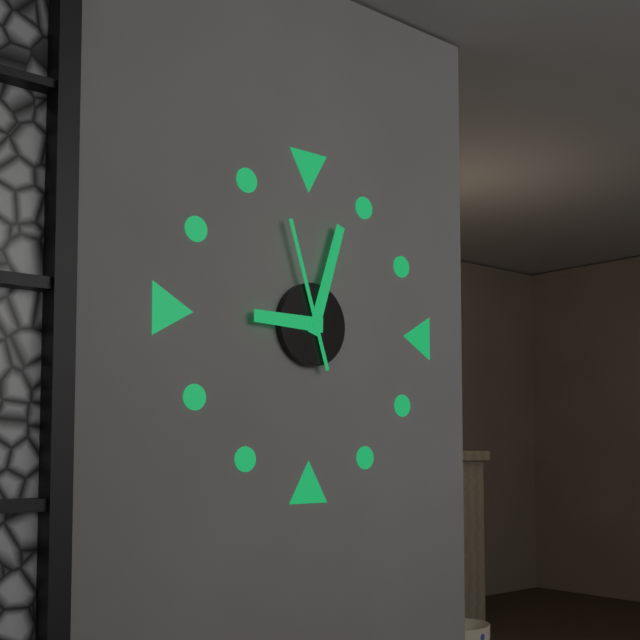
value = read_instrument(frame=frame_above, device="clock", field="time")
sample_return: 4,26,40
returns 9,03,57
